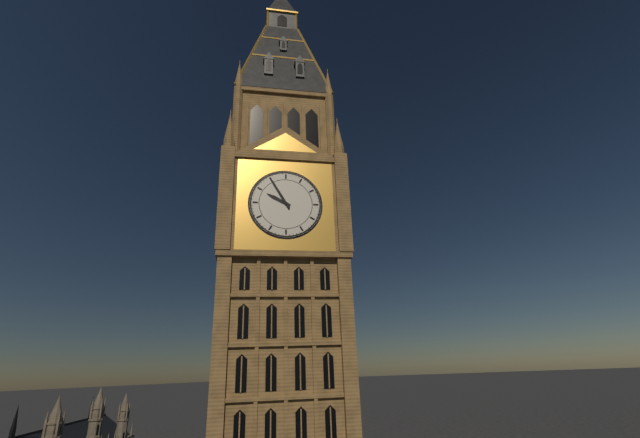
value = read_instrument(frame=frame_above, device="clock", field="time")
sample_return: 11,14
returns 9,55
